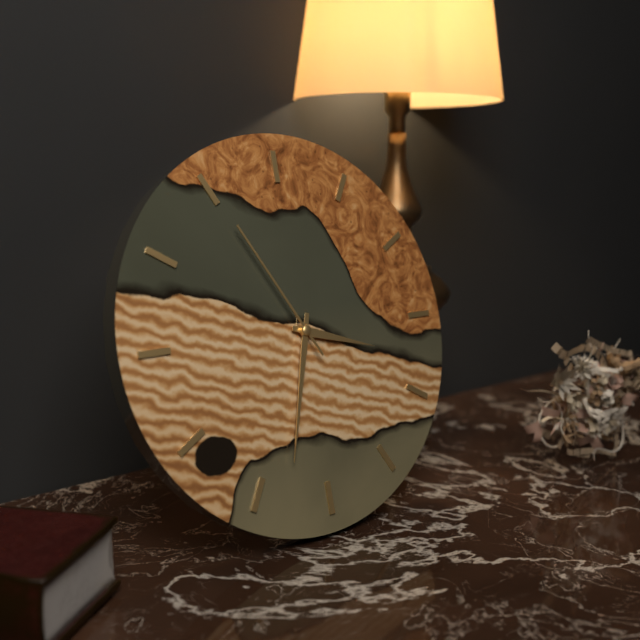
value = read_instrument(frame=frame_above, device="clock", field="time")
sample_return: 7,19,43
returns 3,33,55
